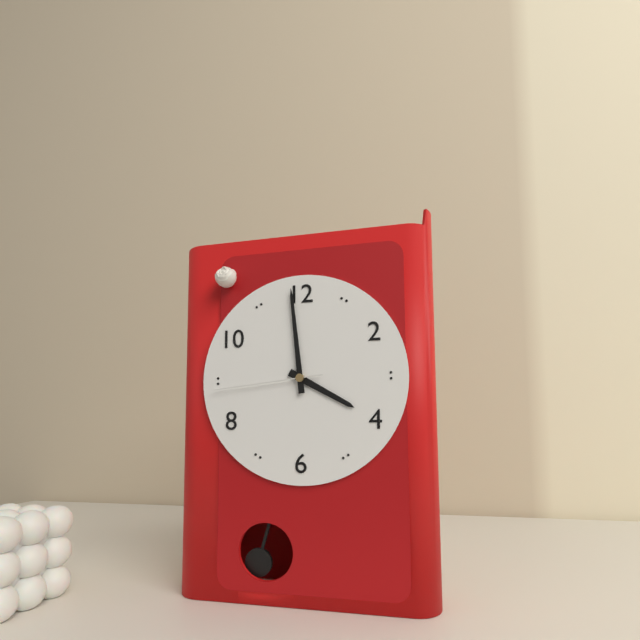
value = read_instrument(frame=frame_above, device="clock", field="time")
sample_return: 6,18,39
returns 3,59,44
